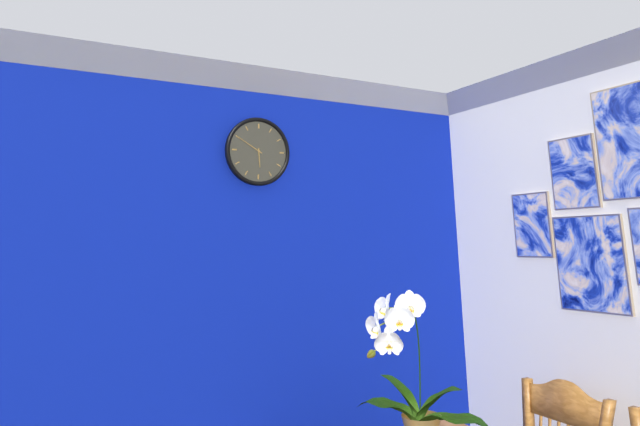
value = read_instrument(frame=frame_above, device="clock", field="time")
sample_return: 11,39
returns 5,50
